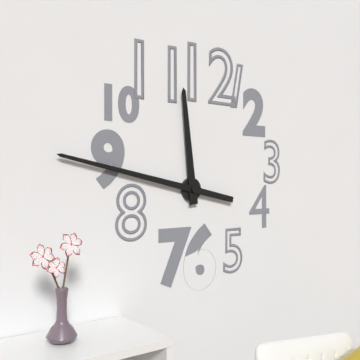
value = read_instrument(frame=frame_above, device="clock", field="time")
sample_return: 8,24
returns 11,47
